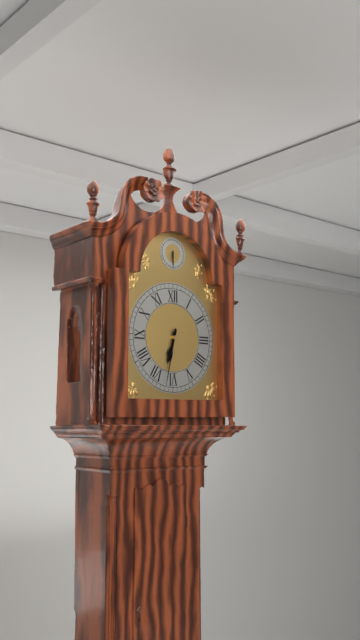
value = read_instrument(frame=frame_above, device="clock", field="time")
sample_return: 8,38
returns 6,32
